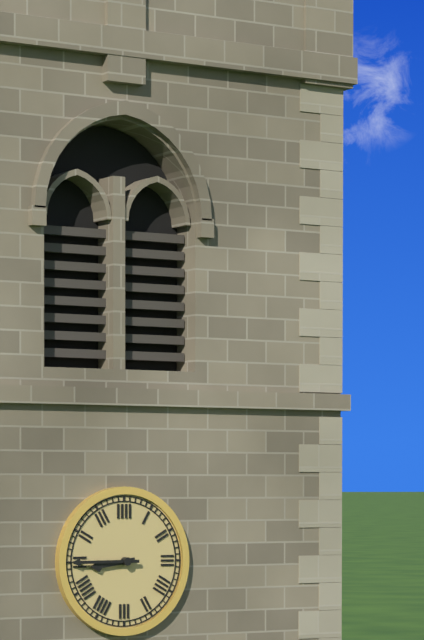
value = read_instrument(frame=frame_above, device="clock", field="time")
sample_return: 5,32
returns 8,45
